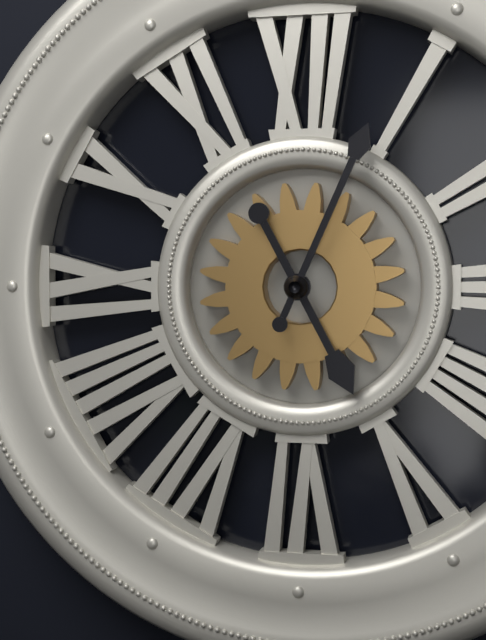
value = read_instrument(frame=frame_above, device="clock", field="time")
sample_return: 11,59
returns 5,04
